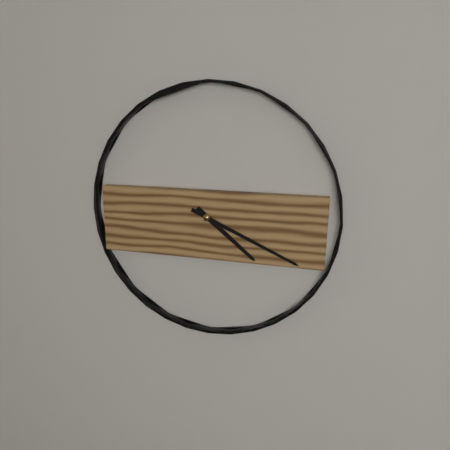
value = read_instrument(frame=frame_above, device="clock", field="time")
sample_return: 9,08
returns 4,19
